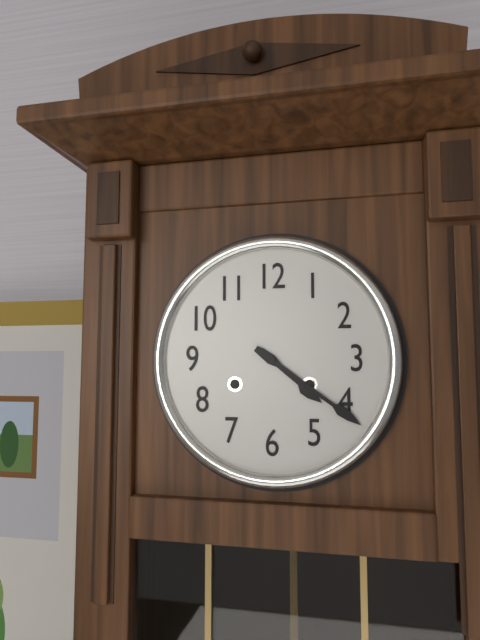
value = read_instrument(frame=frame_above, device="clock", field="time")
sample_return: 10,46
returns 4,21
